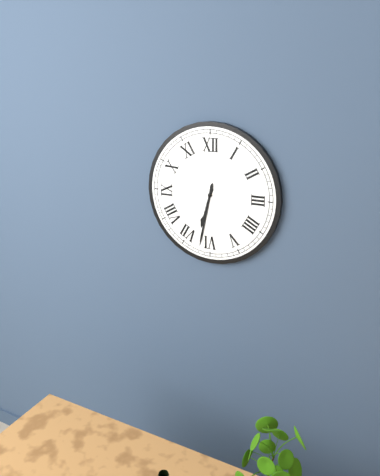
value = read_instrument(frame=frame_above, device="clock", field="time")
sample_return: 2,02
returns 6,32
